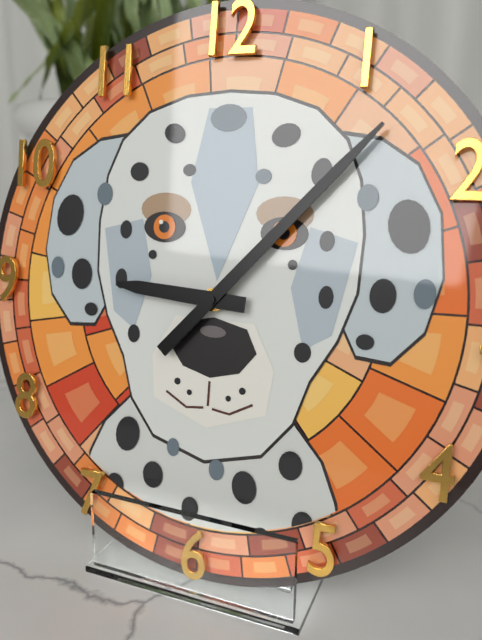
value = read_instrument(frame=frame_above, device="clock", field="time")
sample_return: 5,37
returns 9,07
